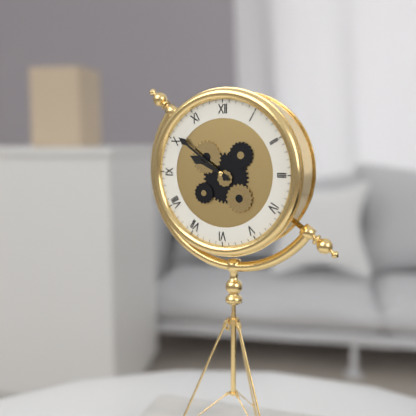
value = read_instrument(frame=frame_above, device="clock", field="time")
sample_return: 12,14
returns 9,51
